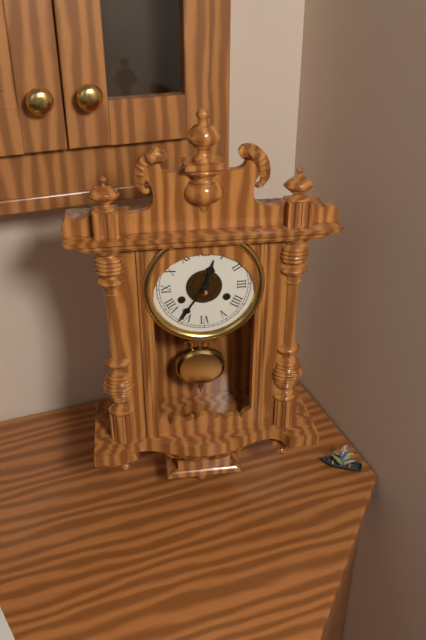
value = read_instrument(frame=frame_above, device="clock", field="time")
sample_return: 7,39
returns 12,36
